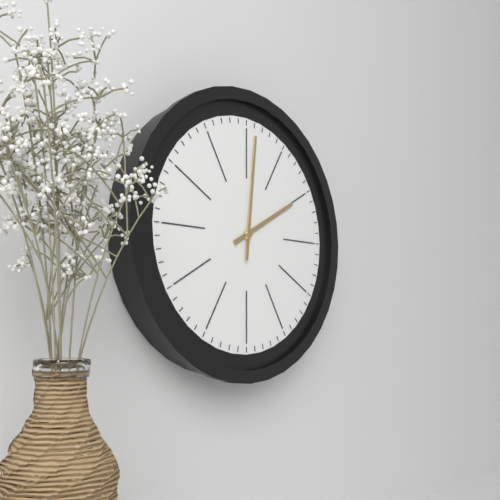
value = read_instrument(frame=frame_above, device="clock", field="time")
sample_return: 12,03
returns 2,01
